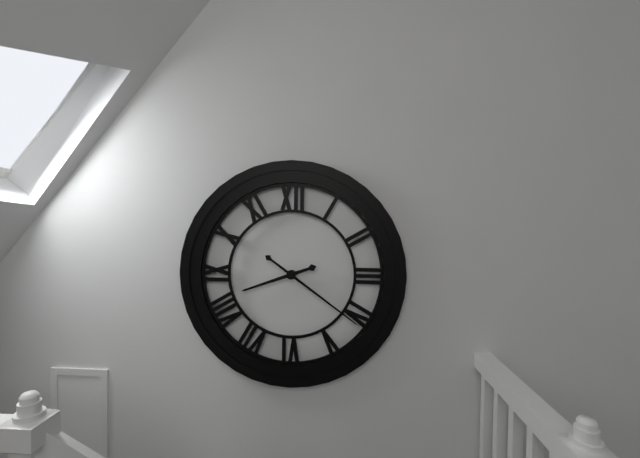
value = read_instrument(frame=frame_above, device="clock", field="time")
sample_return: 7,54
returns 8,21
